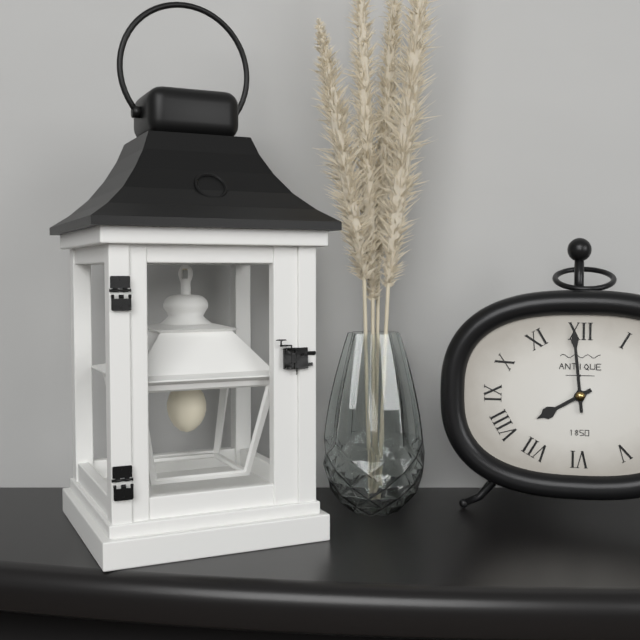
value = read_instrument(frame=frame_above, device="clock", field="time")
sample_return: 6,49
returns 7,59
